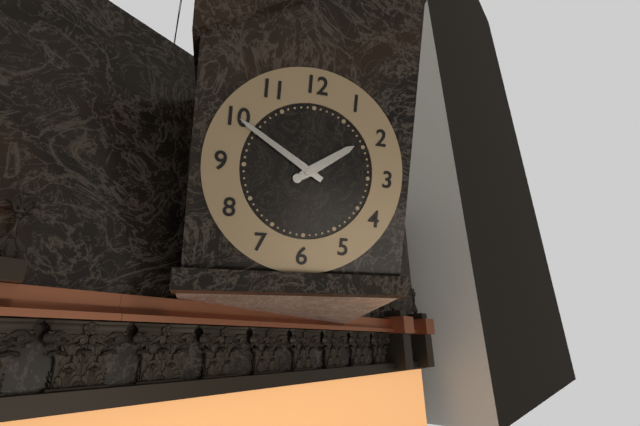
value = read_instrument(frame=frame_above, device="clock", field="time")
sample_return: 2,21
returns 1,50
